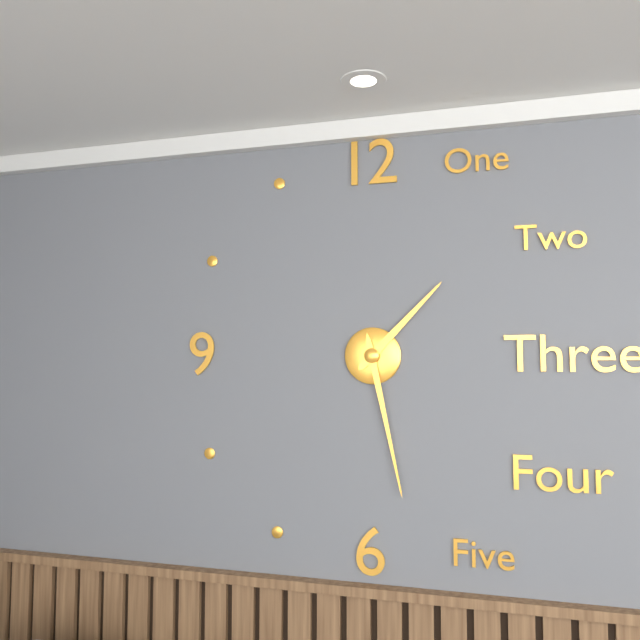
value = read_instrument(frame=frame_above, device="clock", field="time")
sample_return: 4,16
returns 1,28
